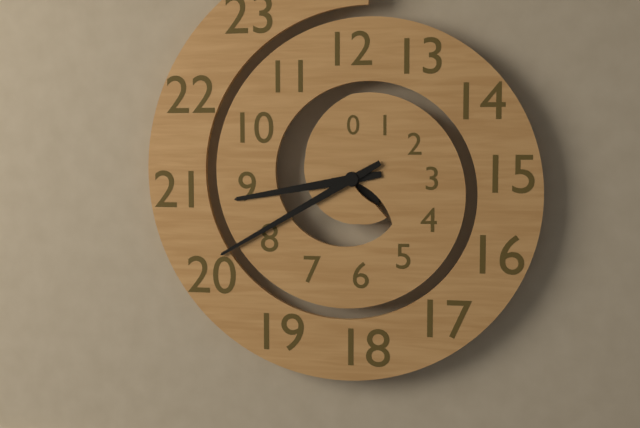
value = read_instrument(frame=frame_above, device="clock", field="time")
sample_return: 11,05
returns 8,40
